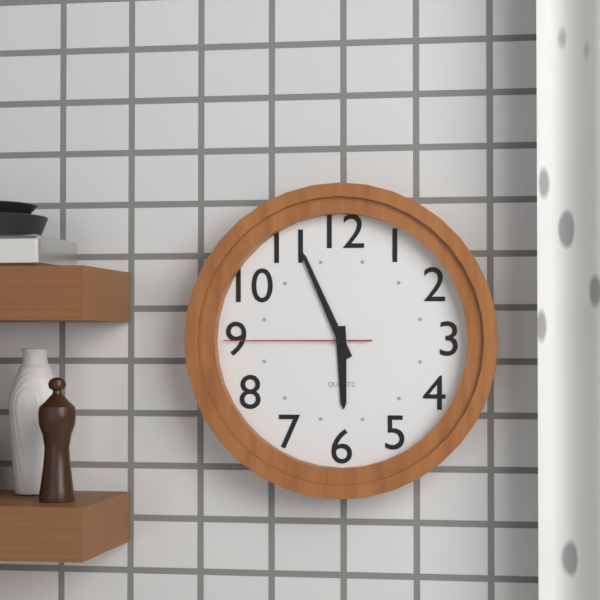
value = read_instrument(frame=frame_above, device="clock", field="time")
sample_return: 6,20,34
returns 5,56,45
